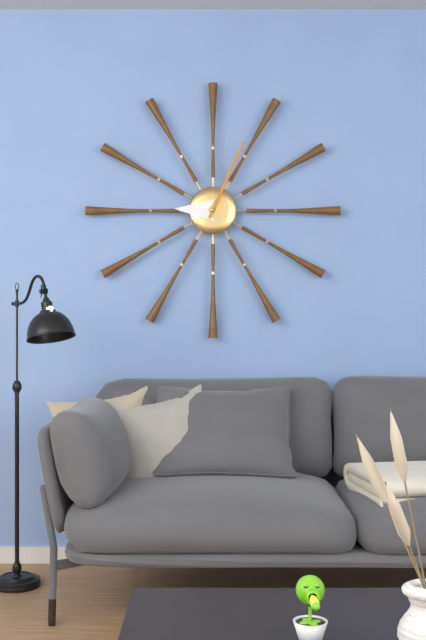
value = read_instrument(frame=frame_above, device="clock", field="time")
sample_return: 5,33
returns 9,04
